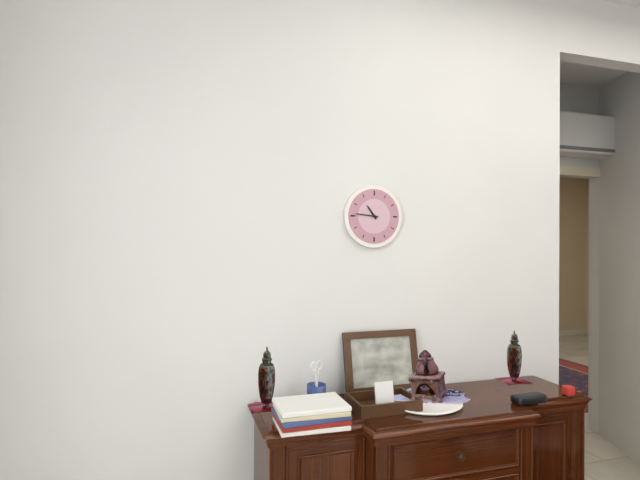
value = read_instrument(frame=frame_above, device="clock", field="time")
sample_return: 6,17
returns 10,46
